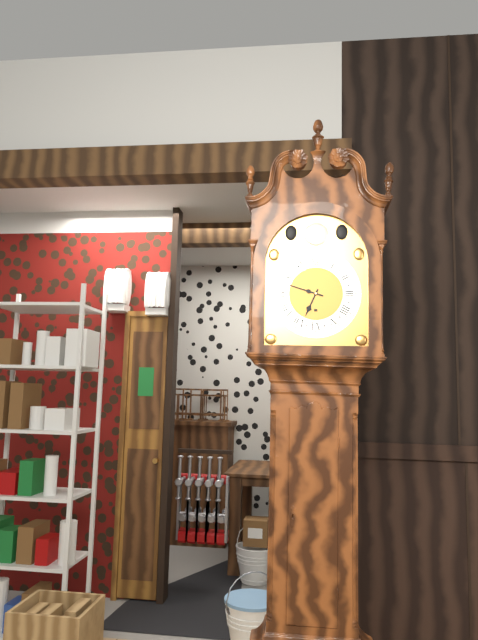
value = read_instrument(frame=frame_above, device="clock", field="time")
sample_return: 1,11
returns 6,48
